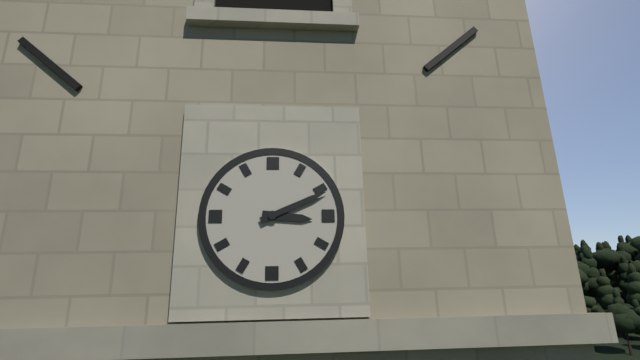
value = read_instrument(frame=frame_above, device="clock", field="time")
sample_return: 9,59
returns 3,11
